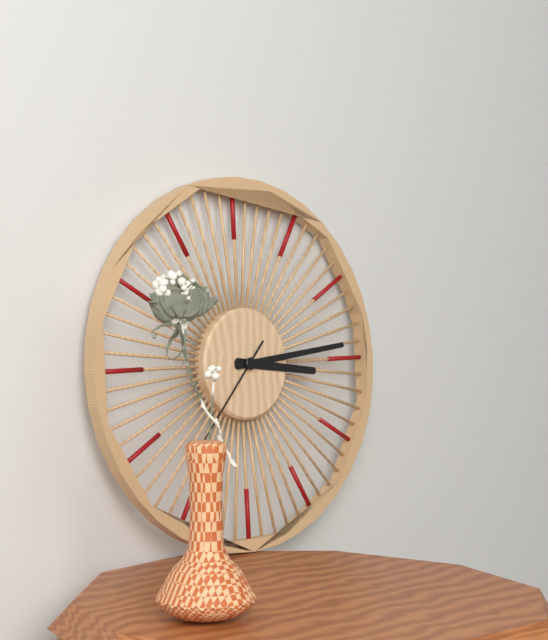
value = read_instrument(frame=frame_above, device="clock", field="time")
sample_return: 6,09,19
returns 3,14,37
